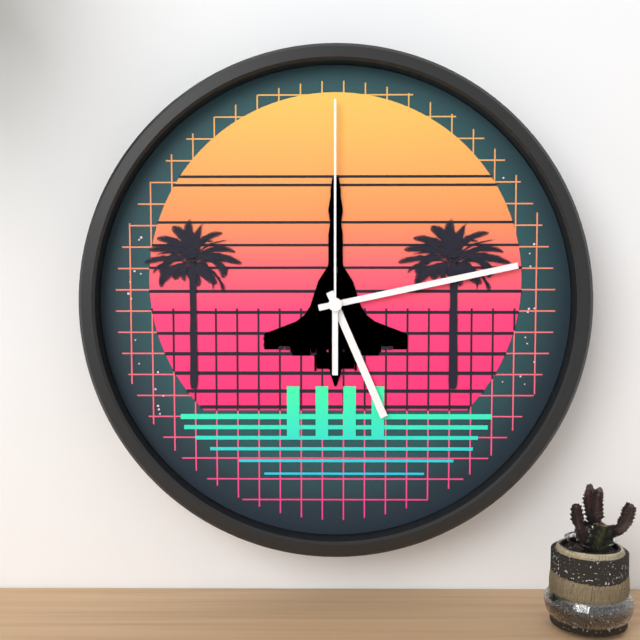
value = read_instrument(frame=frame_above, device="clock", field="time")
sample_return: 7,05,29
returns 5,13,00
